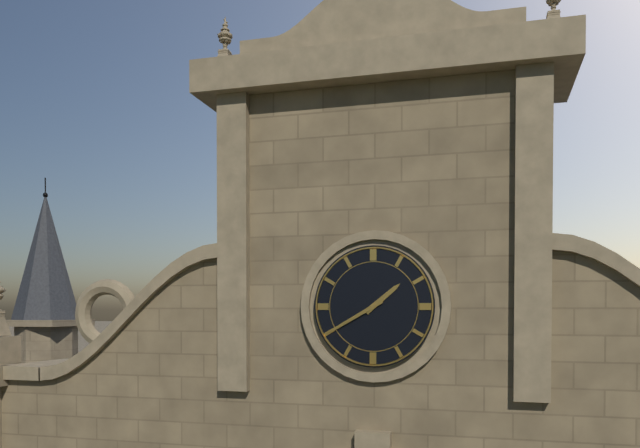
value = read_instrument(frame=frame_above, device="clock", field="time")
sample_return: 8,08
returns 1,40
